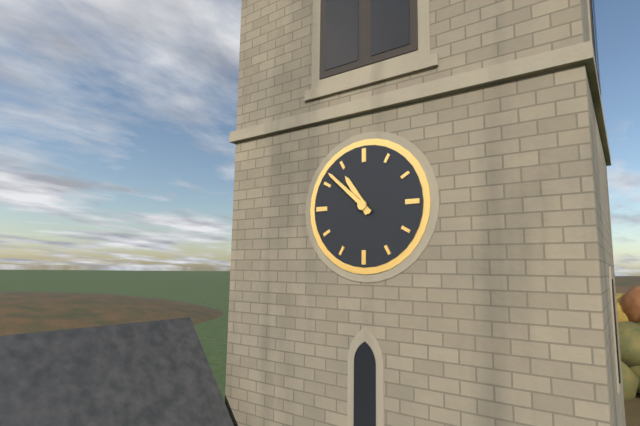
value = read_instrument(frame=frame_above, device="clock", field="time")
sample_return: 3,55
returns 10,52
